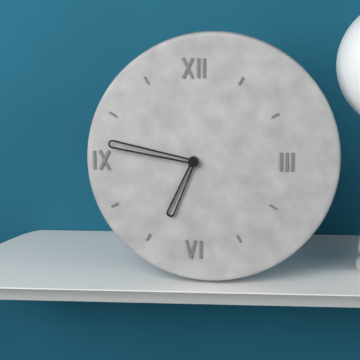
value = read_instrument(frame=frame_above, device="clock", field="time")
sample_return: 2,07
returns 6,47
